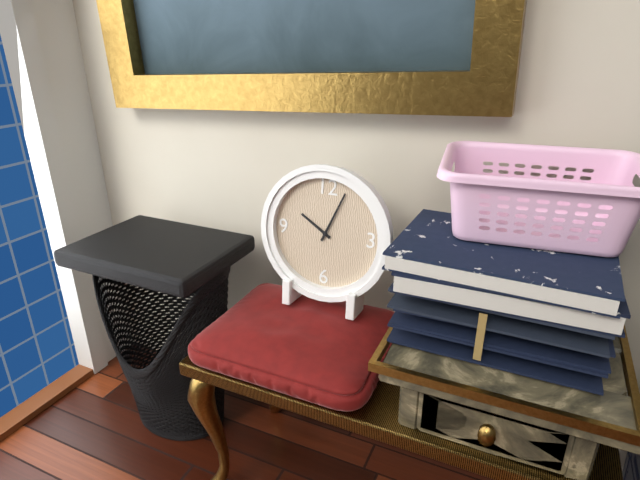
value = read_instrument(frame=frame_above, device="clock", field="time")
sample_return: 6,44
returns 10,04
